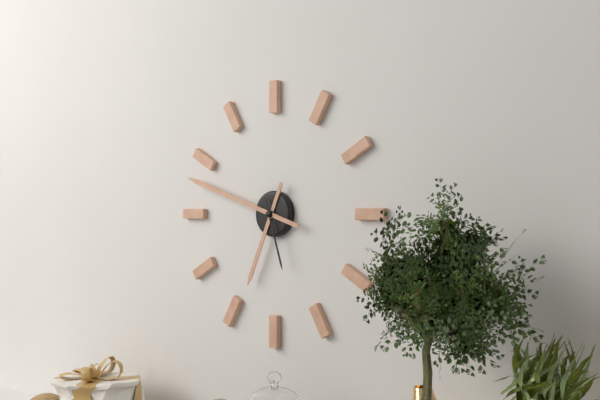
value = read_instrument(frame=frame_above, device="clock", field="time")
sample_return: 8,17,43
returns 6,48,27
